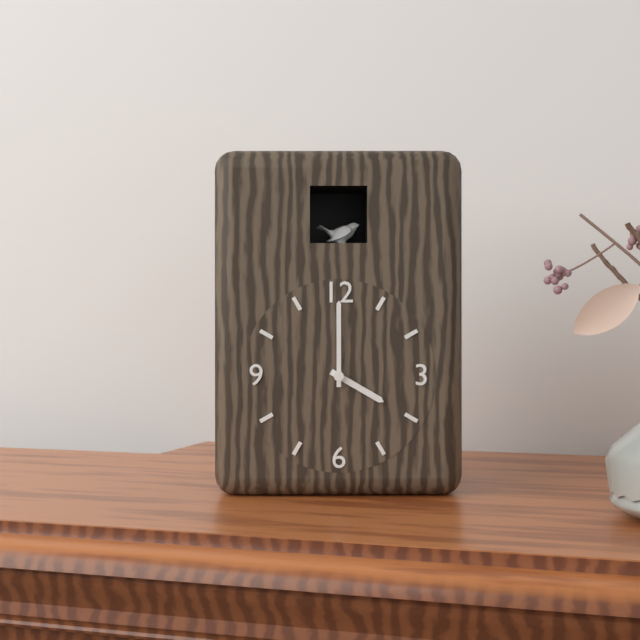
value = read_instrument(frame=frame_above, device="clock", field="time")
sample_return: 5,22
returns 4,00
